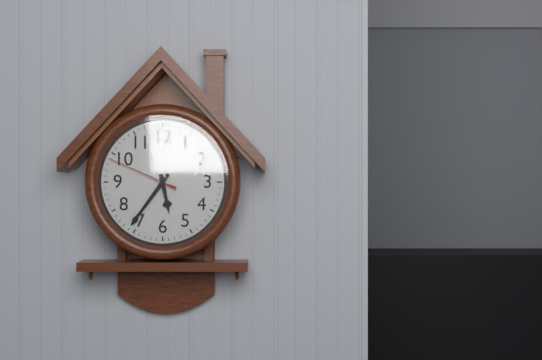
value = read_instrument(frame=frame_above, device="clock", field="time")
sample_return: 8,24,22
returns 5,36,49
